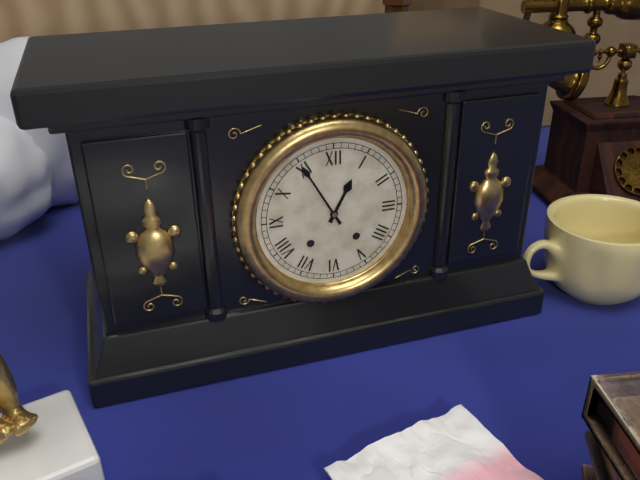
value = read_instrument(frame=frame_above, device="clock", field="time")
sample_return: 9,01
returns 12,55
